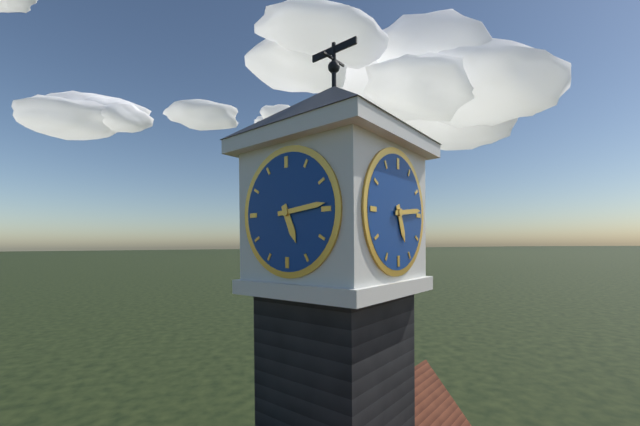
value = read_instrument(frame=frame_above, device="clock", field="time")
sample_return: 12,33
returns 5,14
